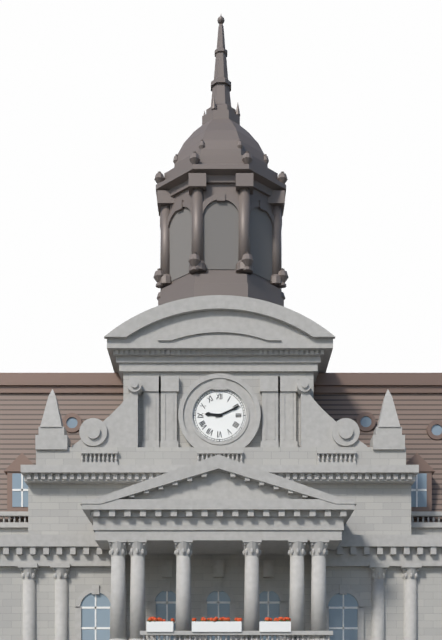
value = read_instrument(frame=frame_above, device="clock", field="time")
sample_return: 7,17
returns 9,11
